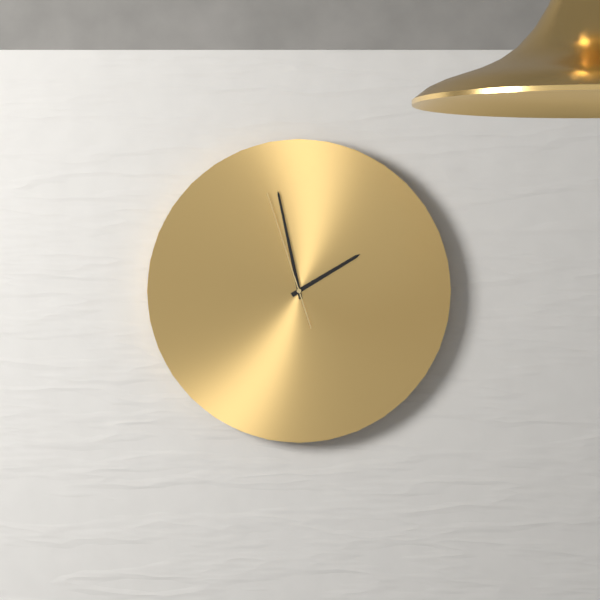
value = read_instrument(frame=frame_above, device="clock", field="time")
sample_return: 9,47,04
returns 1,58,57
